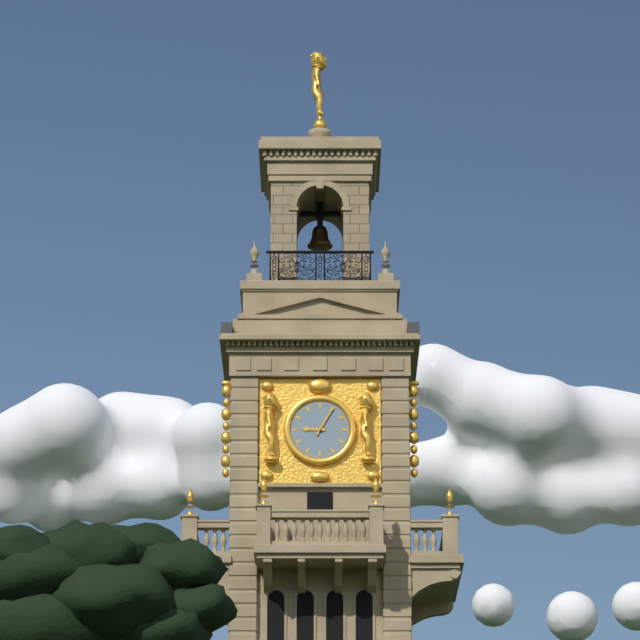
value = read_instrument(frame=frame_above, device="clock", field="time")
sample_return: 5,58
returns 9,05
